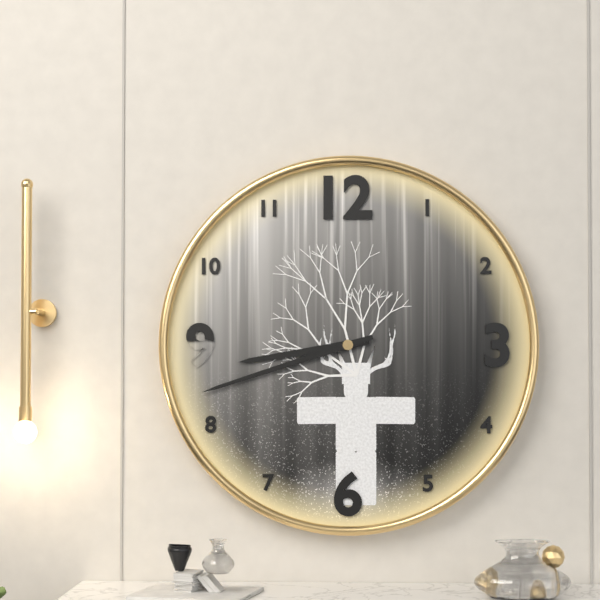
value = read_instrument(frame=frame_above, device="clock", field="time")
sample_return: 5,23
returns 8,42
